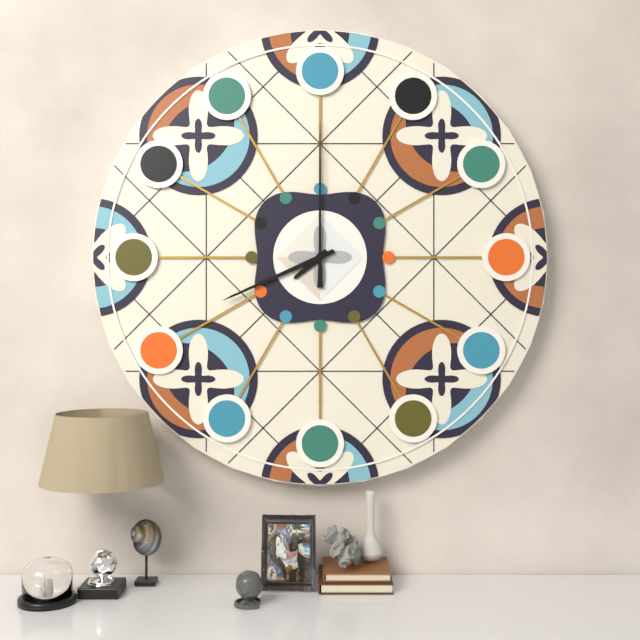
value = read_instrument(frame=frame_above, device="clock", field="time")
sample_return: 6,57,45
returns 7,41,00
